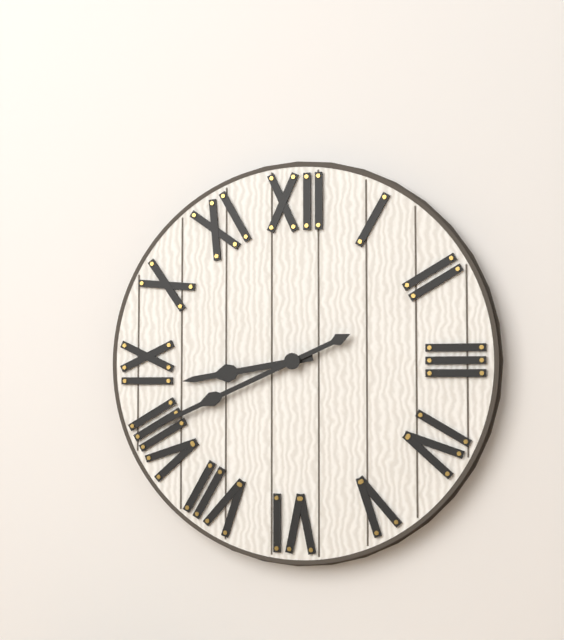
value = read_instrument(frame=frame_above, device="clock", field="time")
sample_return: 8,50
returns 8,41
